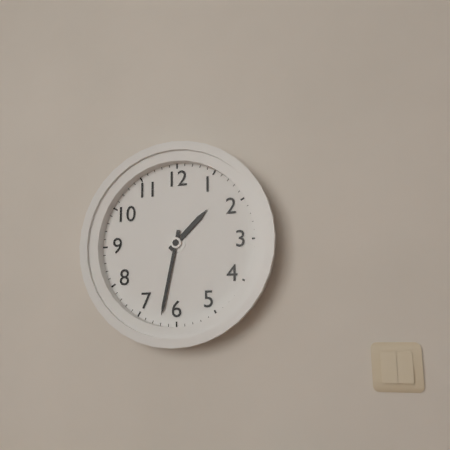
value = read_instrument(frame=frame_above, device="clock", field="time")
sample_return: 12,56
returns 1,32
